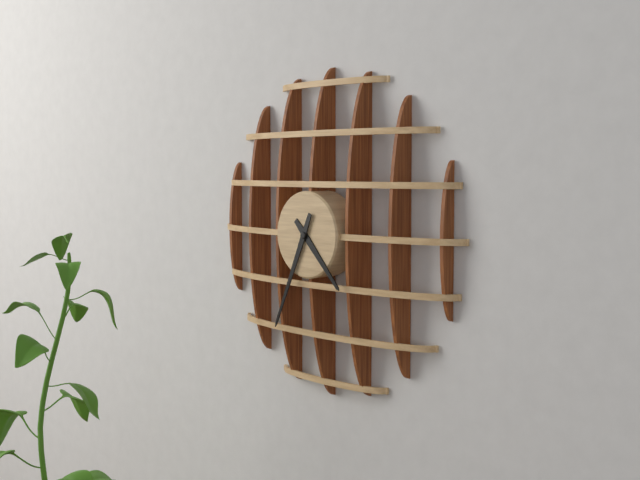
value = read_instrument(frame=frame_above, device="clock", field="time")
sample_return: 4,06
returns 4,34
